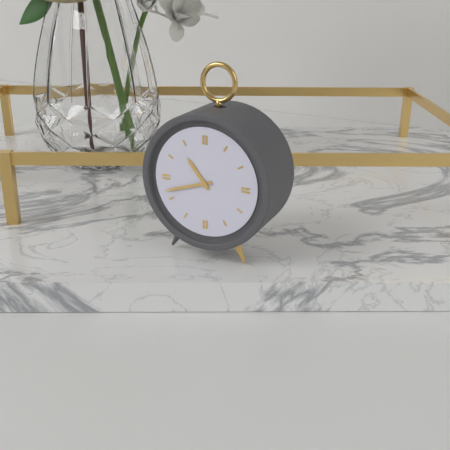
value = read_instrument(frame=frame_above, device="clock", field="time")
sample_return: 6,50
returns 10,42
